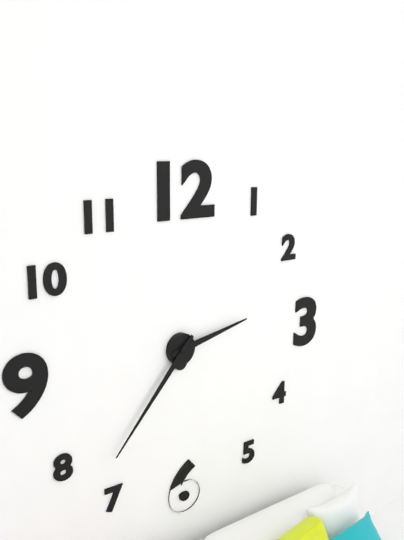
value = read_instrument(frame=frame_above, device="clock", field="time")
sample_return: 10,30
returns 2,37
